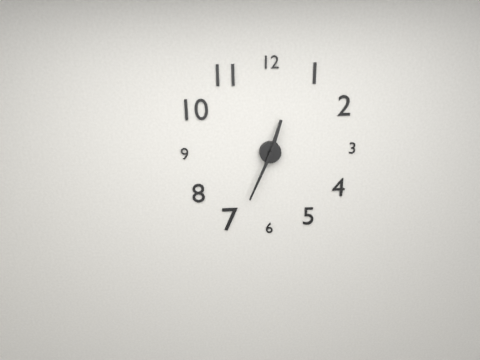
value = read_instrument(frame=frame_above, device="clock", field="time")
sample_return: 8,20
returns 12,34
